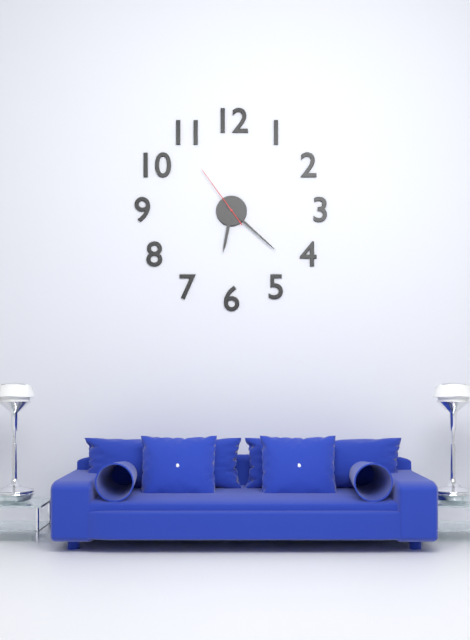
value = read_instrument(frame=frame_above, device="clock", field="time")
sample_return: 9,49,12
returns 6,22,54
